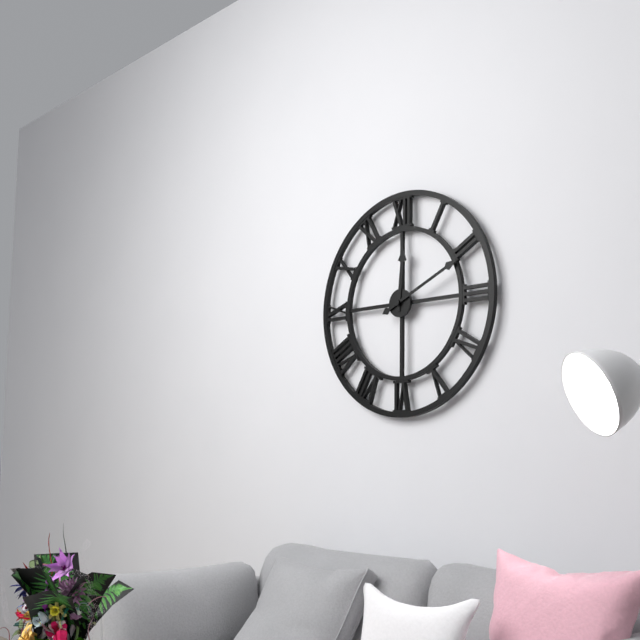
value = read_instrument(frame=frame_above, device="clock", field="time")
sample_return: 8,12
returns 12,11
